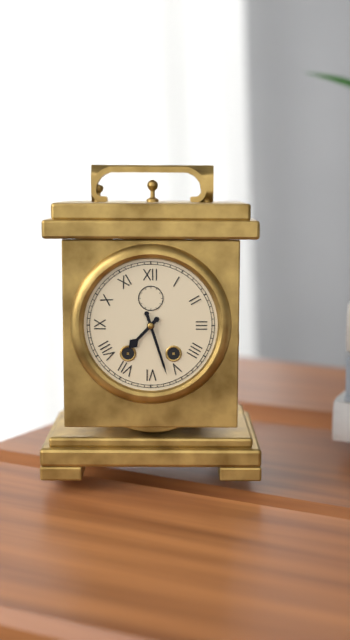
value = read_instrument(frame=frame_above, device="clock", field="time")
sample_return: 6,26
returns 7,27
